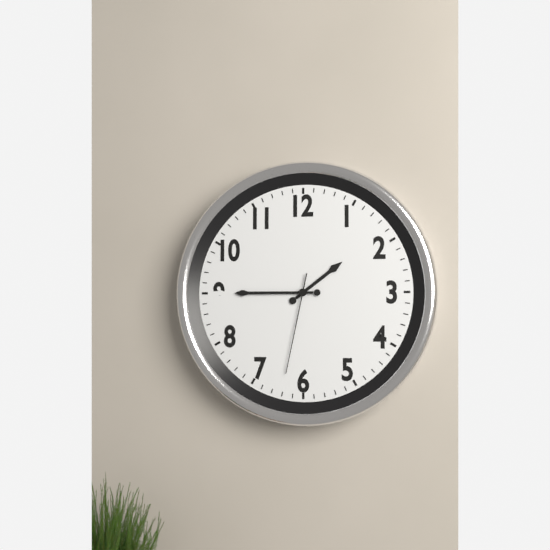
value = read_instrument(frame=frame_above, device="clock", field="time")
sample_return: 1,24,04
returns 1,45,32
